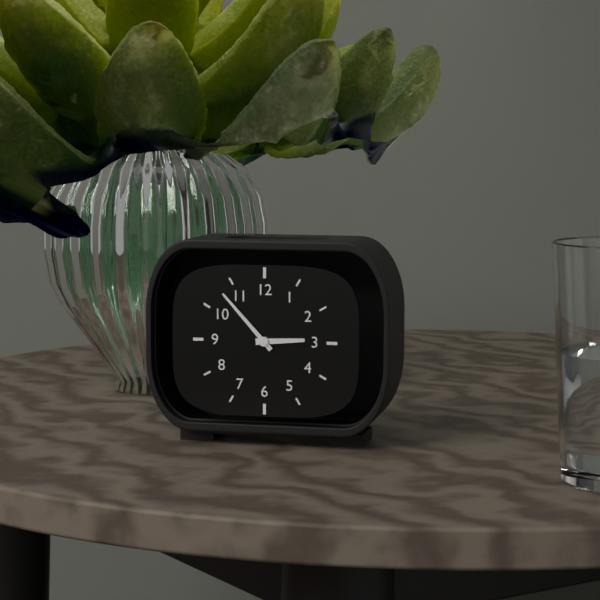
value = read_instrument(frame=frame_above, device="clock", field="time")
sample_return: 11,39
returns 2,53
